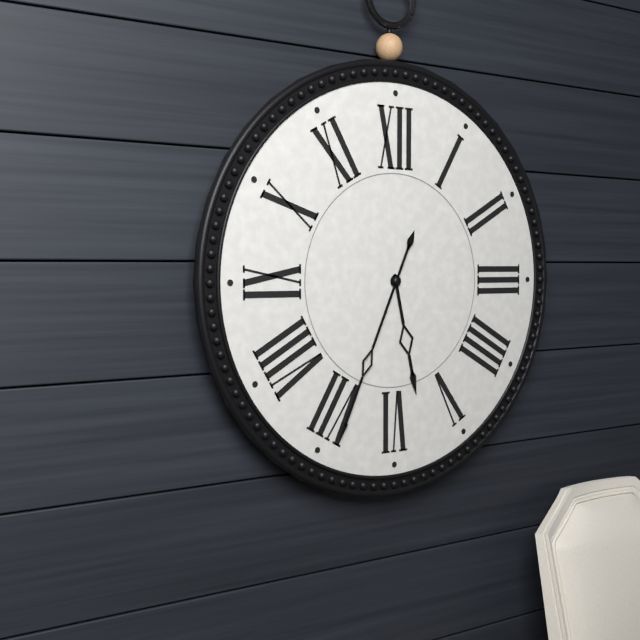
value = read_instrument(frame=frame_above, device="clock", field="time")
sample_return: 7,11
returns 5,34
